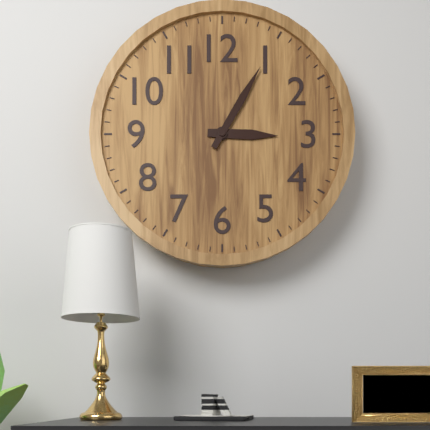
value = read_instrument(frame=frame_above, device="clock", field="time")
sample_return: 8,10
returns 3,05
